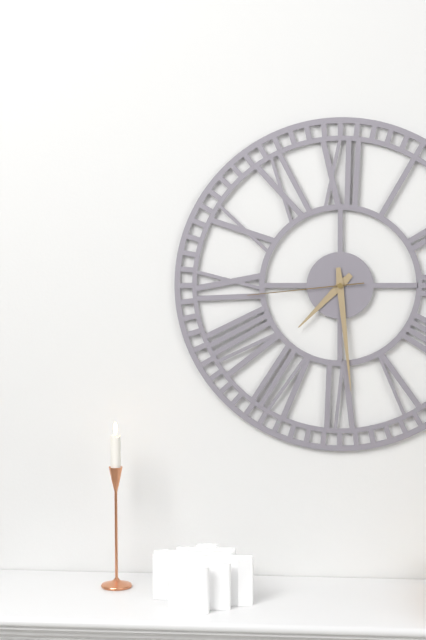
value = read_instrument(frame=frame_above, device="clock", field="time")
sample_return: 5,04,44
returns 7,29,44
